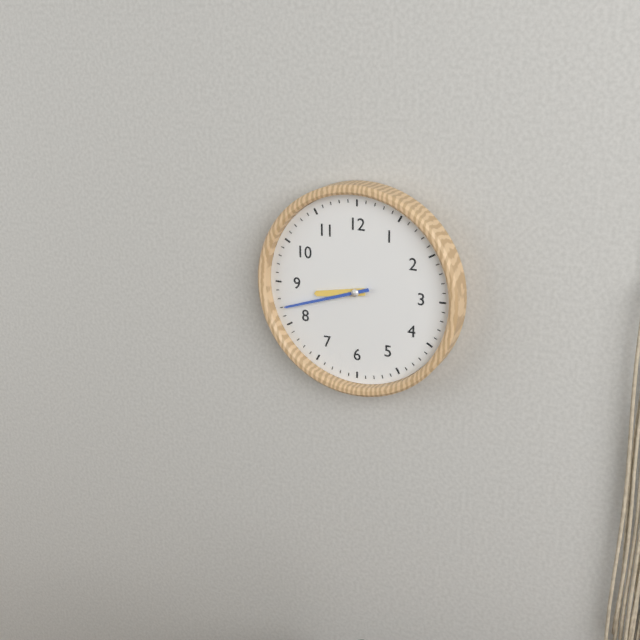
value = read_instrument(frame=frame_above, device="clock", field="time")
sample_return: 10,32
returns 8,42
